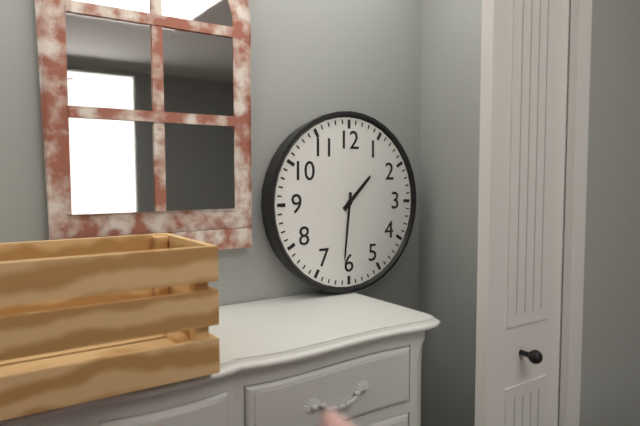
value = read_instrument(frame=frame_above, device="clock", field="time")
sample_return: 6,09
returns 1,31
